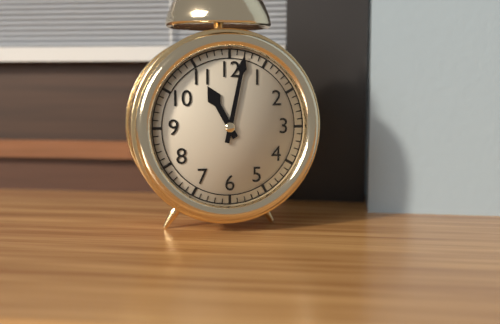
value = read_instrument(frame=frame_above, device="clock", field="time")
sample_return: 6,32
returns 11,02
